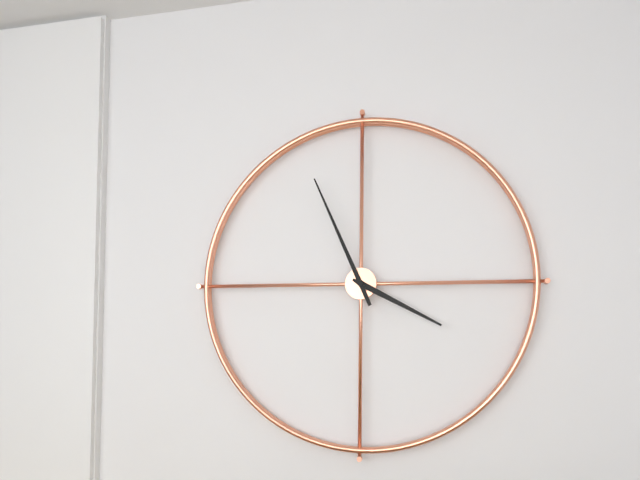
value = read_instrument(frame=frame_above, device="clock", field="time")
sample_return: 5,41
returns 3,56
